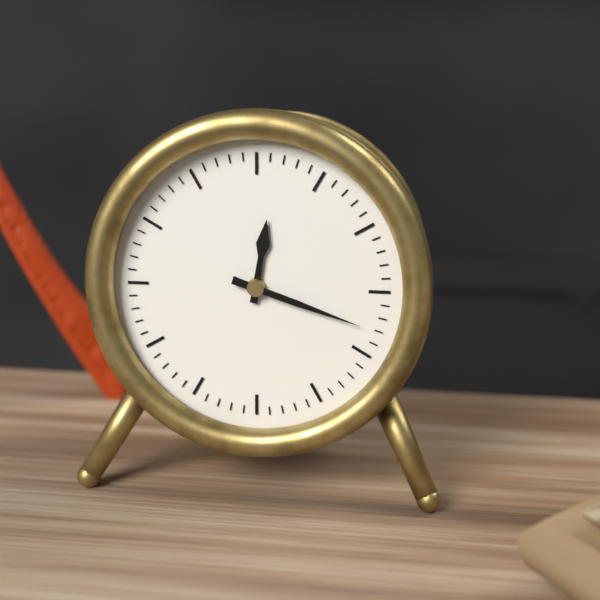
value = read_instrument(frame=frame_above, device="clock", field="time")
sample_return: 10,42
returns 12,18
